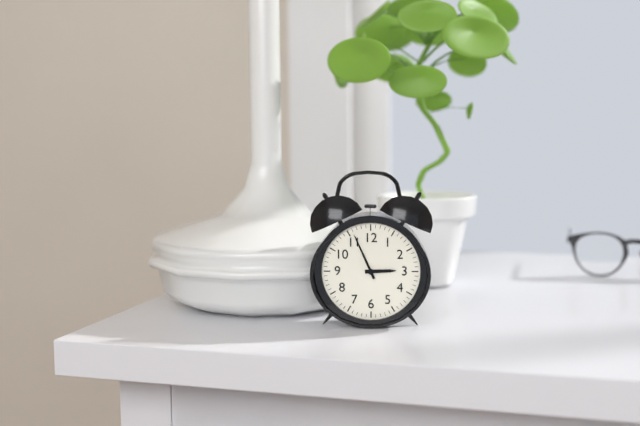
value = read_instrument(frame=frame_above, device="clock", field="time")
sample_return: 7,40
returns 2,56
